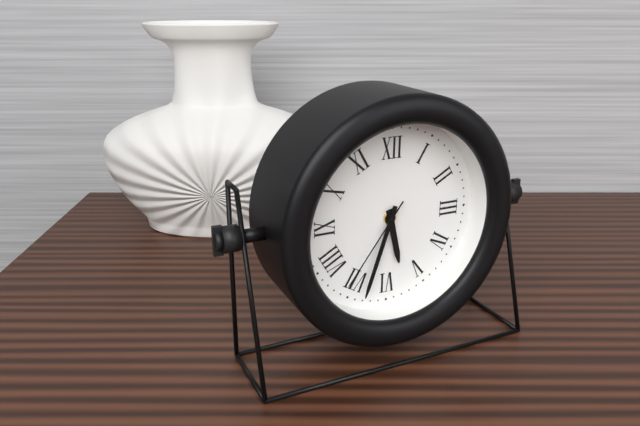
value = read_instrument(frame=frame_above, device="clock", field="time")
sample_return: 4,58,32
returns 5,33,36
